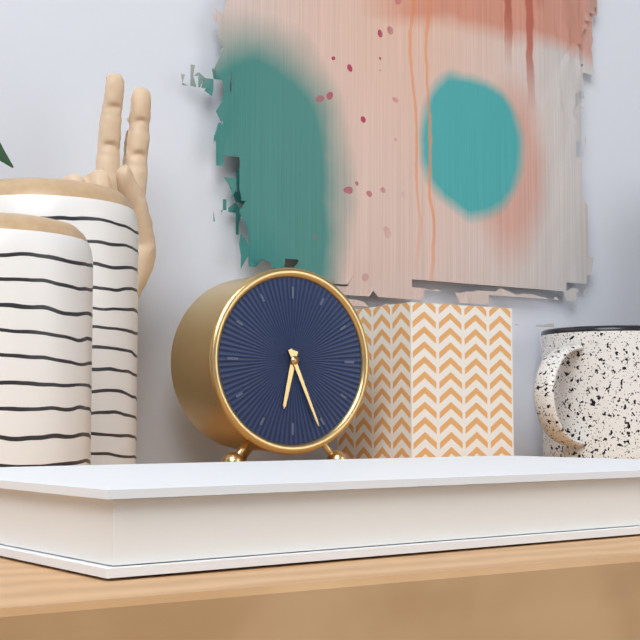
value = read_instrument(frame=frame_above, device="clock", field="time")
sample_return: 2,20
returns 6,26
